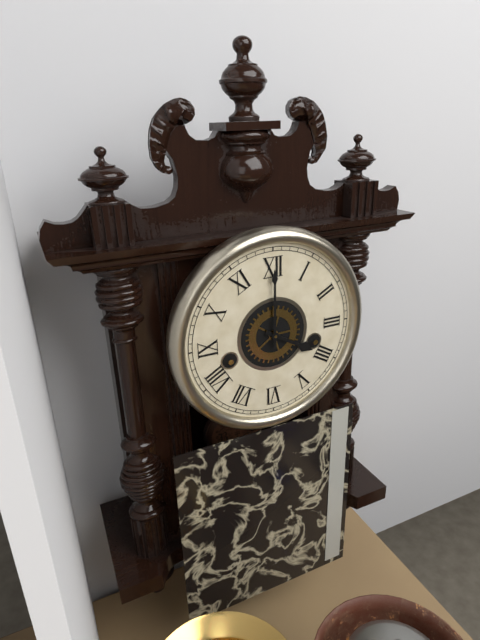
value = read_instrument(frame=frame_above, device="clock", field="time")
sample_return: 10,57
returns 4,00
